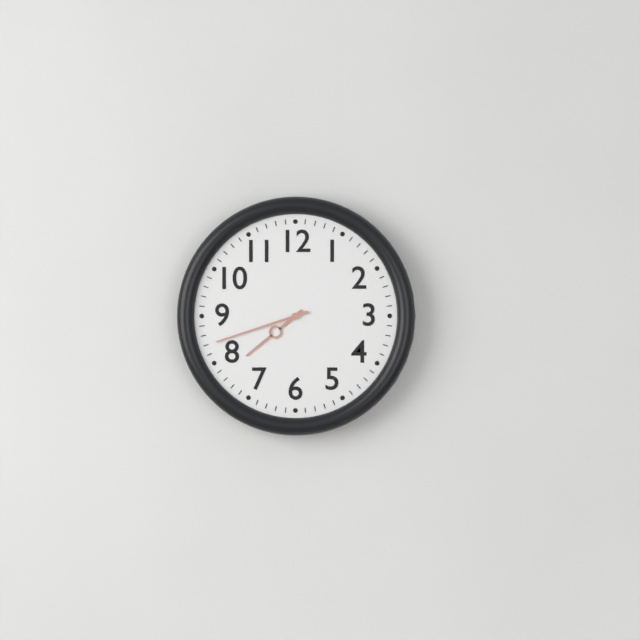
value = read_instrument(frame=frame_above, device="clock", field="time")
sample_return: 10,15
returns 7,42
